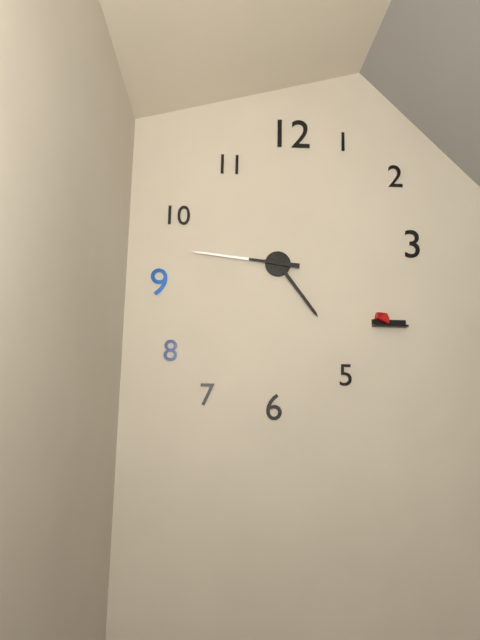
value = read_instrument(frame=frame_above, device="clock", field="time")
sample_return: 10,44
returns 4,46
